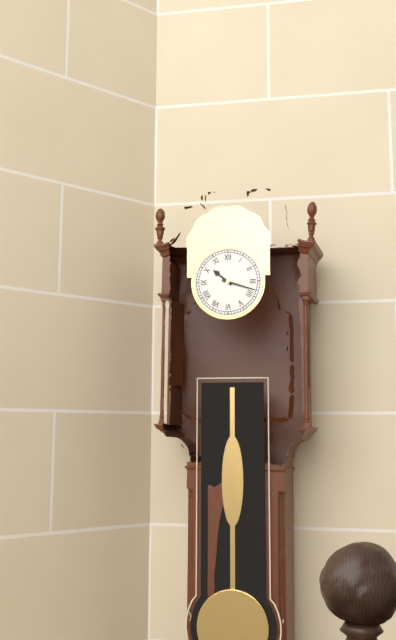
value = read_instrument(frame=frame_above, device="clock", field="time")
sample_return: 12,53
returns 10,18
